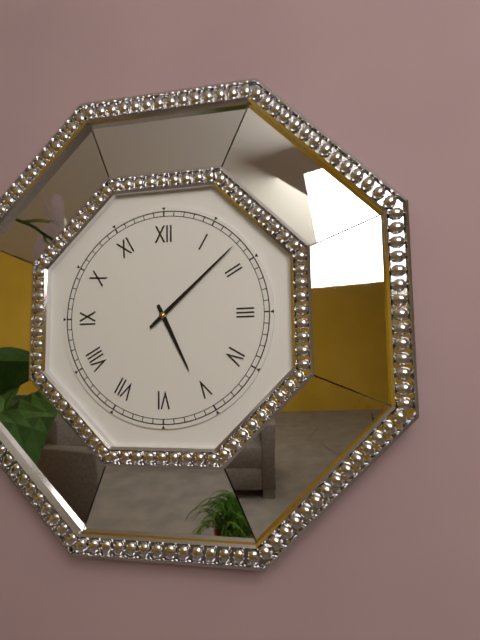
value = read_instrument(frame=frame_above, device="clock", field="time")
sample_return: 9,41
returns 5,08
